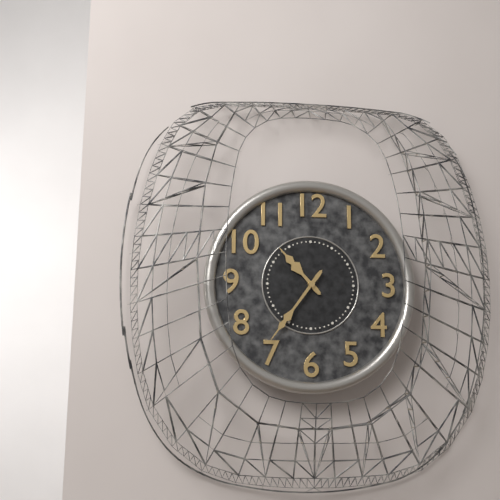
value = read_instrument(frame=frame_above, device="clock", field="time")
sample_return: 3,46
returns 10,36
